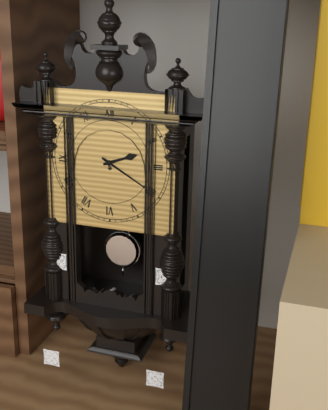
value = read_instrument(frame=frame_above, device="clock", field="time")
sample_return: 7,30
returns 2,20
